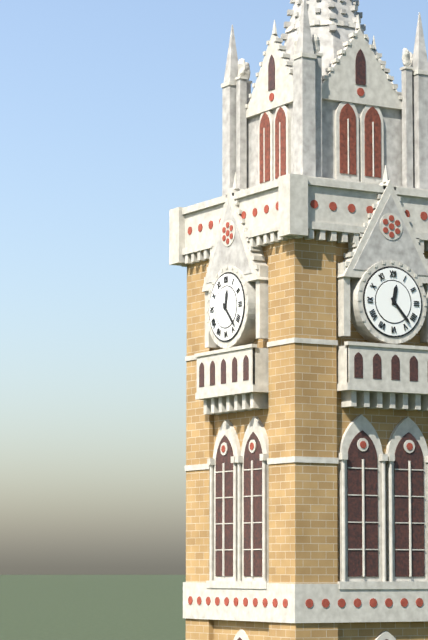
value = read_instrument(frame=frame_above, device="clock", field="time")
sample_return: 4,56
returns 12,23
